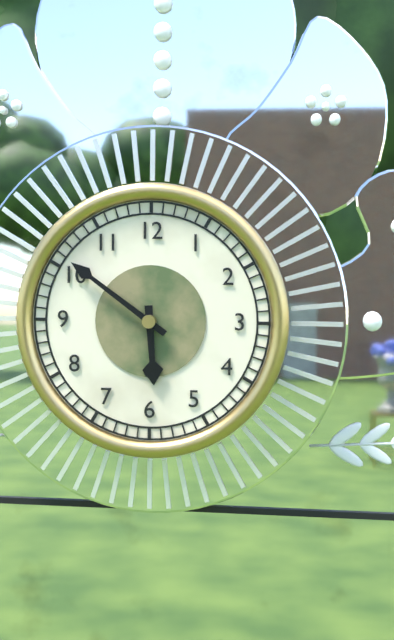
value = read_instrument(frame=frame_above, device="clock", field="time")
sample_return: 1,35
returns 5,51
